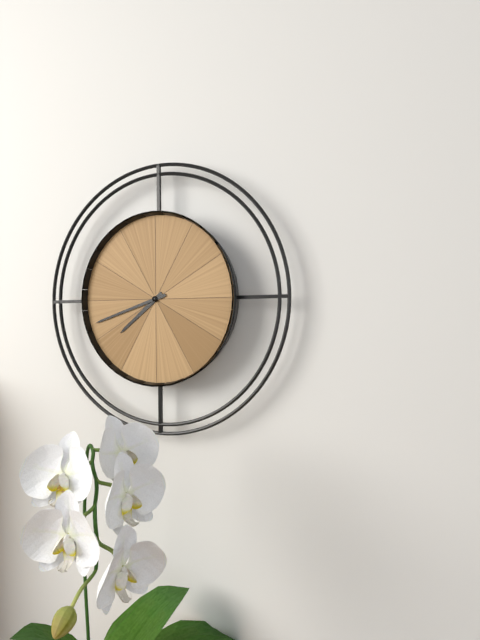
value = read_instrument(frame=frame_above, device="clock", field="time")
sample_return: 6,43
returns 7,42
